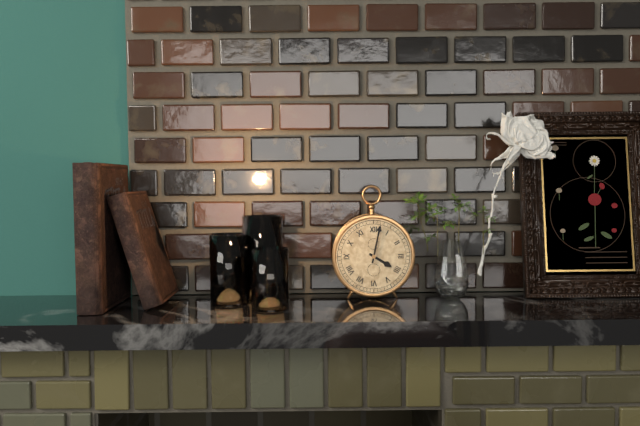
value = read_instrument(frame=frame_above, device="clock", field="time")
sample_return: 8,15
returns 4,02
